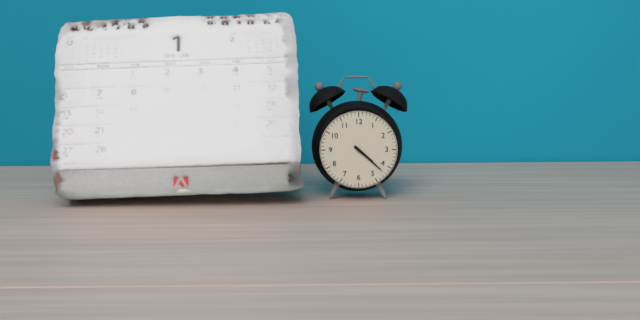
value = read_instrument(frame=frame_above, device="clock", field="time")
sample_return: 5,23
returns 4,22
